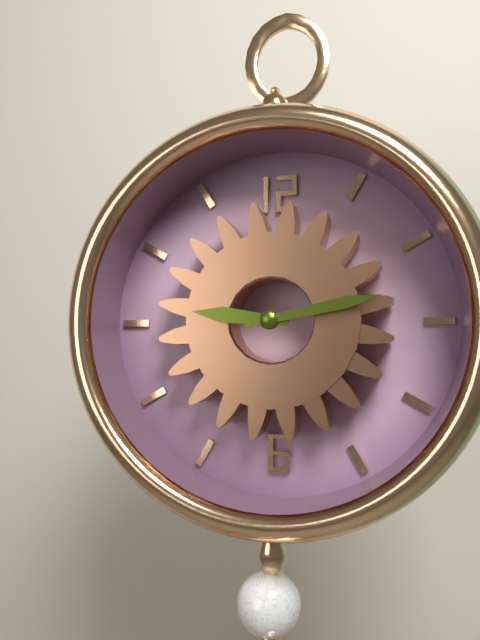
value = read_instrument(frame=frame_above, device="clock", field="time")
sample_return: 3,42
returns 9,13
